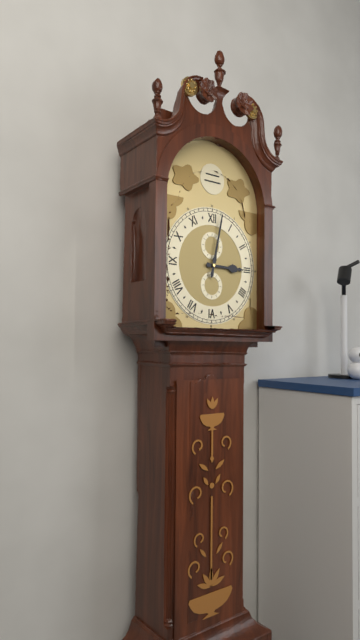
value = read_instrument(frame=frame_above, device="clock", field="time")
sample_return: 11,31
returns 3,02
